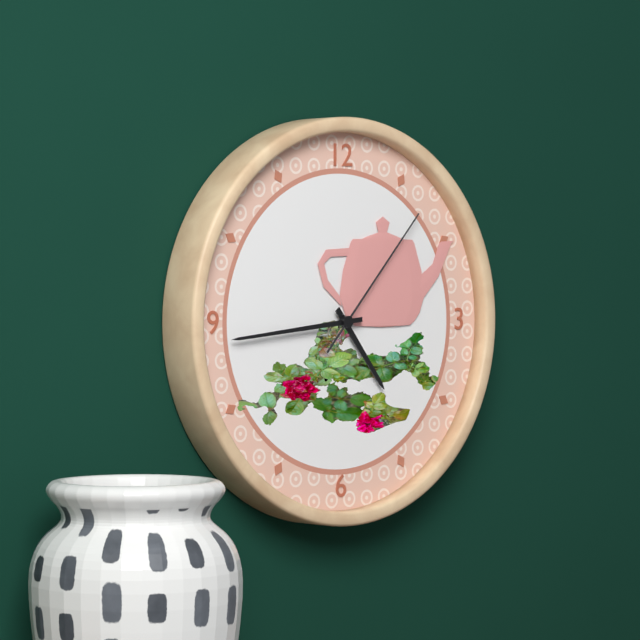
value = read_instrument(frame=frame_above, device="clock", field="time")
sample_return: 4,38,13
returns 4,44,07
